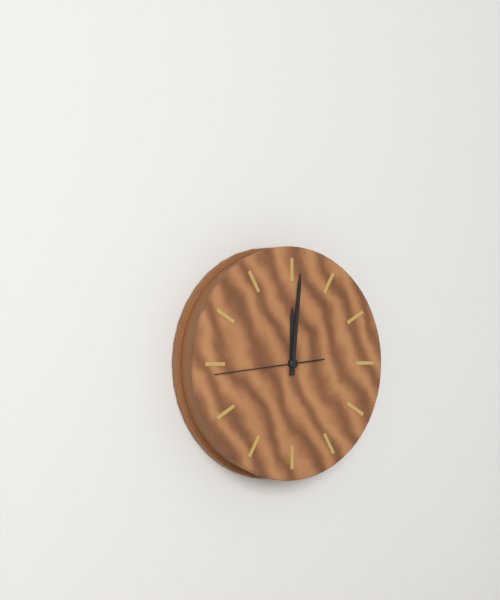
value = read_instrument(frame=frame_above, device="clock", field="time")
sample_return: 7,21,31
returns 12,01,44
